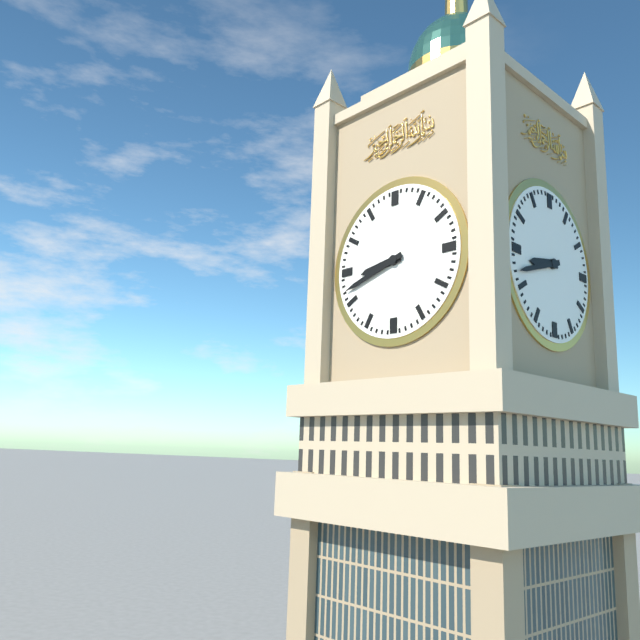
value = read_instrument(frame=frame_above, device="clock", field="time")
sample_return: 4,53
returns 8,42
